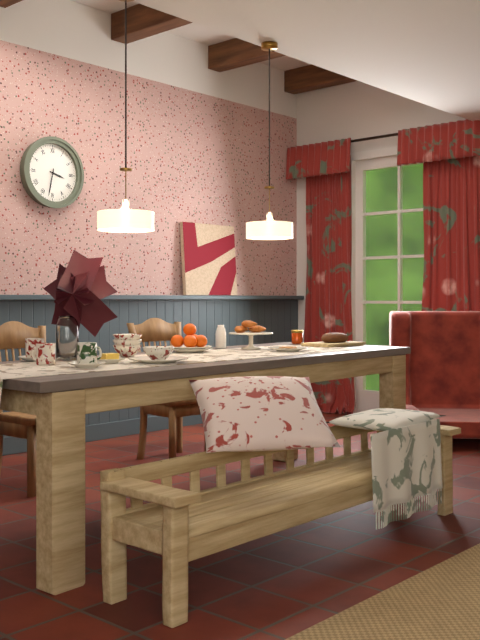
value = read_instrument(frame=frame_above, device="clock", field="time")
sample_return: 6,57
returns 3,32
